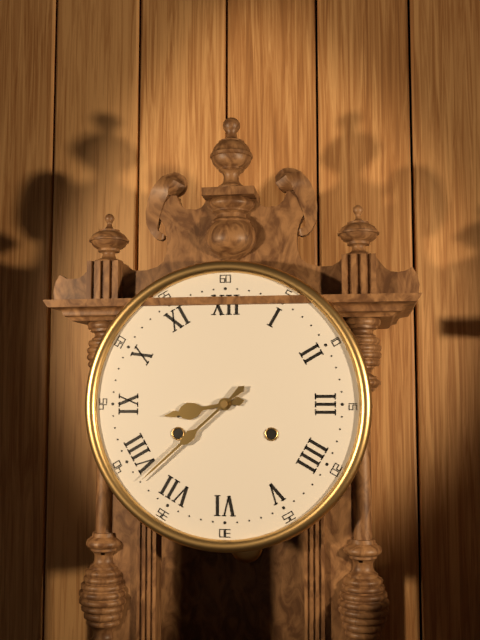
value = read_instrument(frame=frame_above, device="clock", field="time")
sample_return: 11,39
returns 8,38
